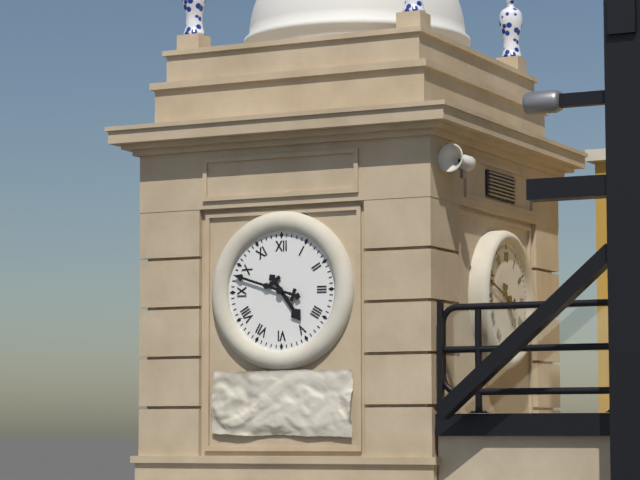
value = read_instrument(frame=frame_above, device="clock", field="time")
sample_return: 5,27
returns 4,48
